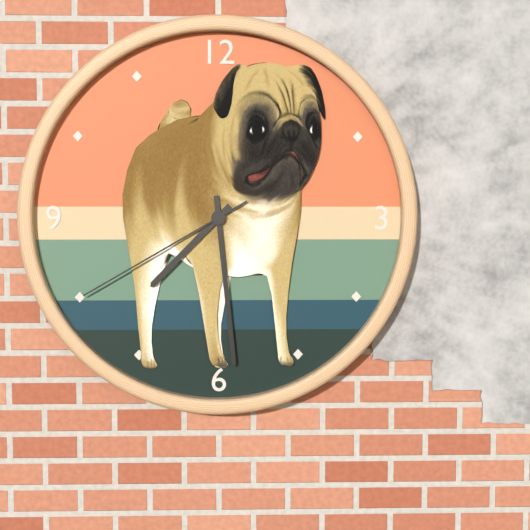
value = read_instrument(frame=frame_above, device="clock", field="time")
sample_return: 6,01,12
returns 7,29,40
